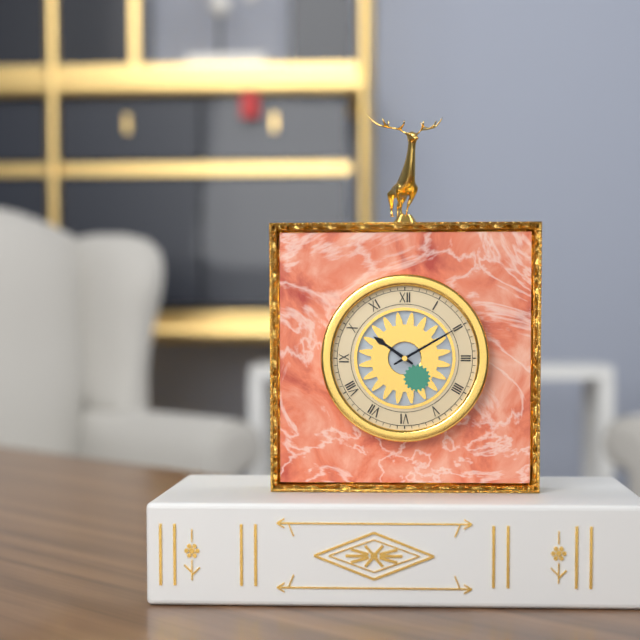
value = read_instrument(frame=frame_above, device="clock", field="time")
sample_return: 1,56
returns 10,10
